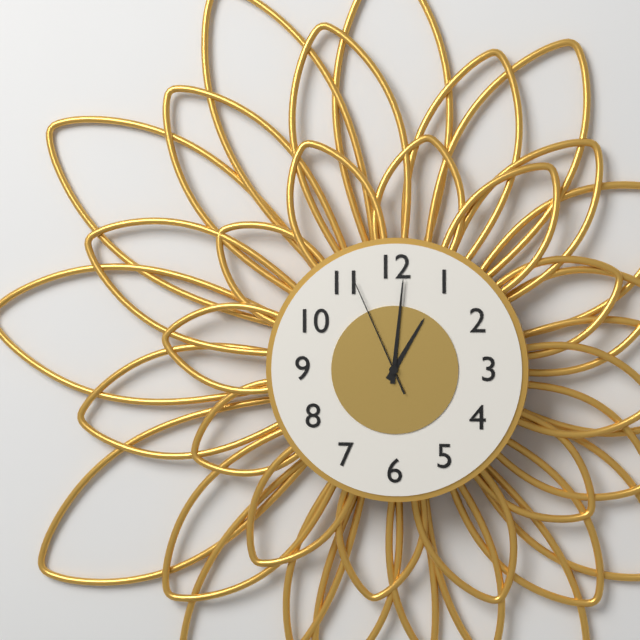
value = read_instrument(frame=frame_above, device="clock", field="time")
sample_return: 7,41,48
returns 1,01,56
